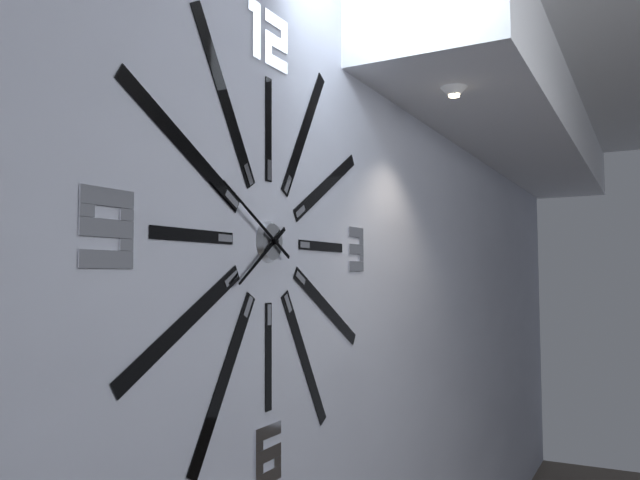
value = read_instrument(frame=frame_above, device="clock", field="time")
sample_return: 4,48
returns 7,50
